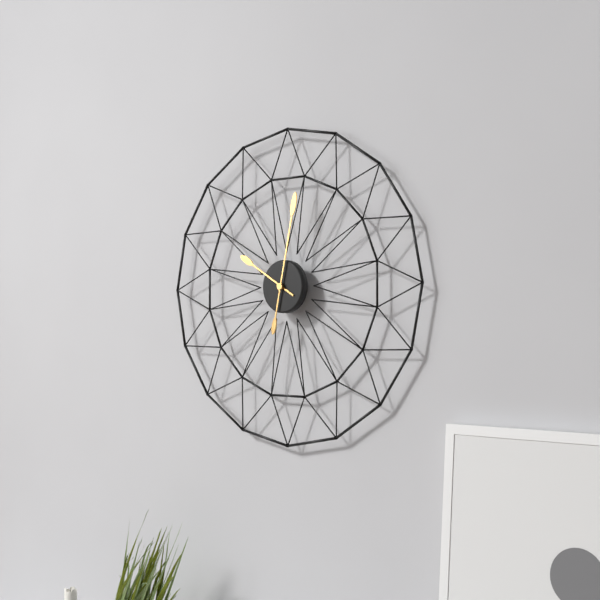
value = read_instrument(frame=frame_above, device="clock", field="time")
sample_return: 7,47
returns 10,02
